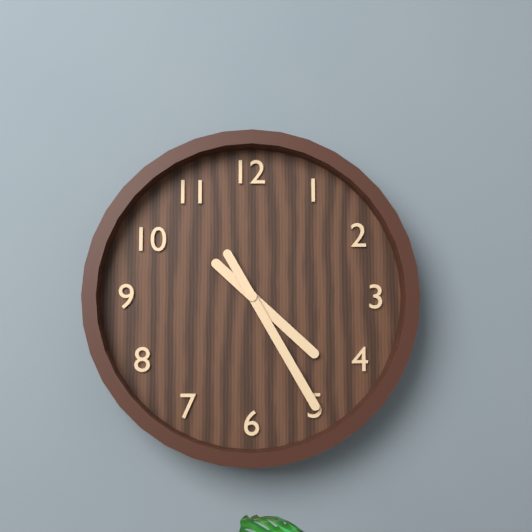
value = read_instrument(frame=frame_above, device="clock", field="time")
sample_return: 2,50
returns 4,25
